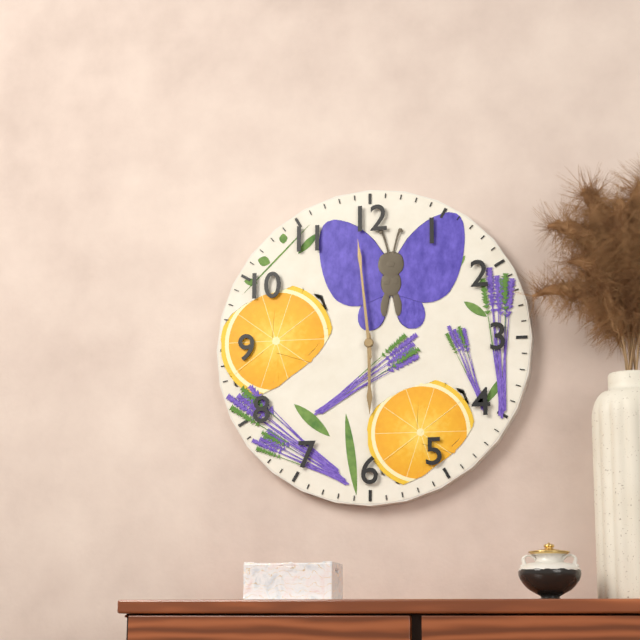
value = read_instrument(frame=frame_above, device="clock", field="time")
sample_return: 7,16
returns 5,59
